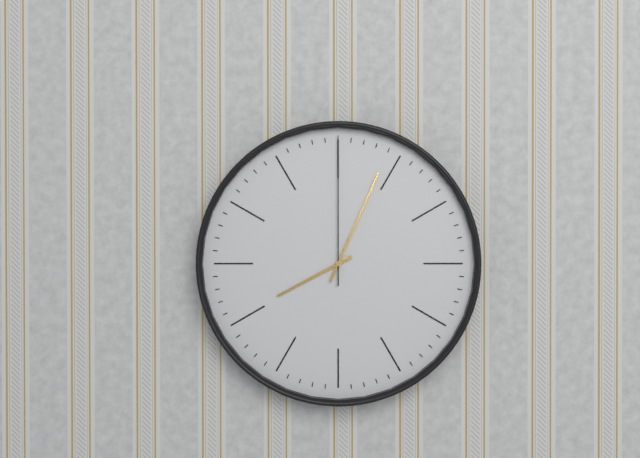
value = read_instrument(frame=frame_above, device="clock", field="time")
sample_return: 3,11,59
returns 8,04,00
